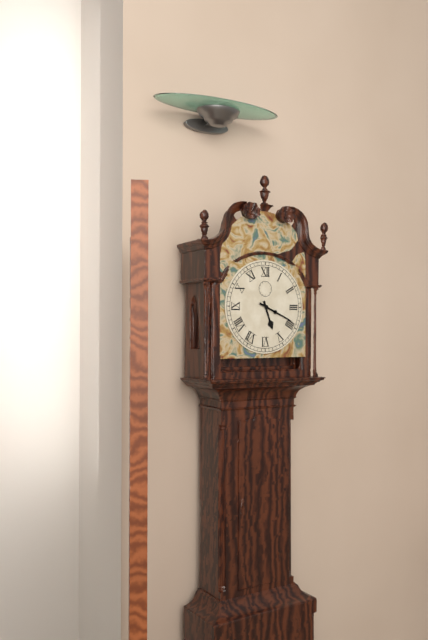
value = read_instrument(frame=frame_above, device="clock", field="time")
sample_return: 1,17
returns 5,19
